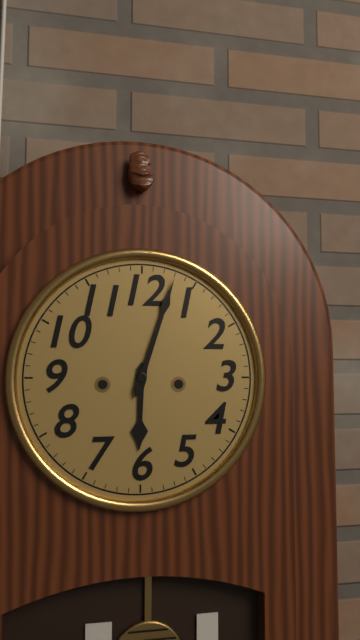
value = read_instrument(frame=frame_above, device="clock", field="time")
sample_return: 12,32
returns 6,03
